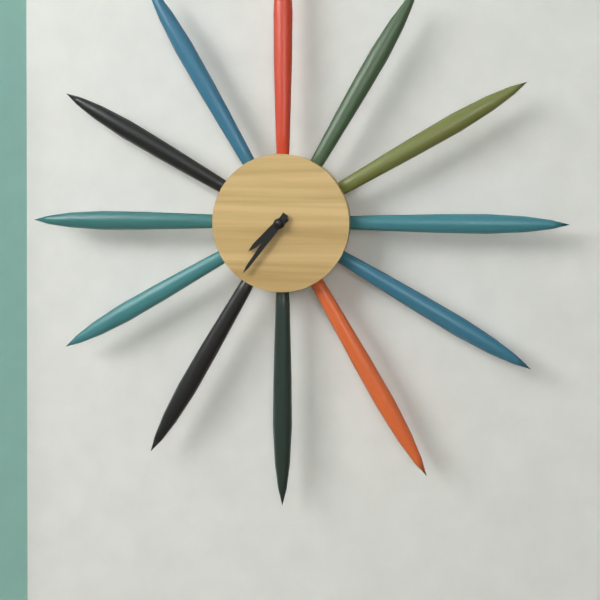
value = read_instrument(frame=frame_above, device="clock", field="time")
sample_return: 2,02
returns 7,36
